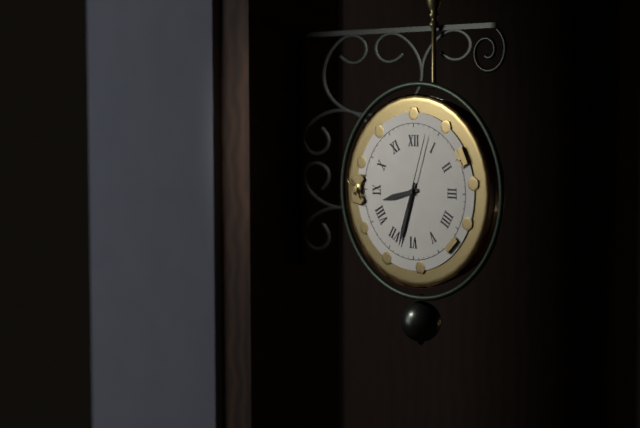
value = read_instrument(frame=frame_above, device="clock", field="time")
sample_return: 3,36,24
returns 8,33,03
